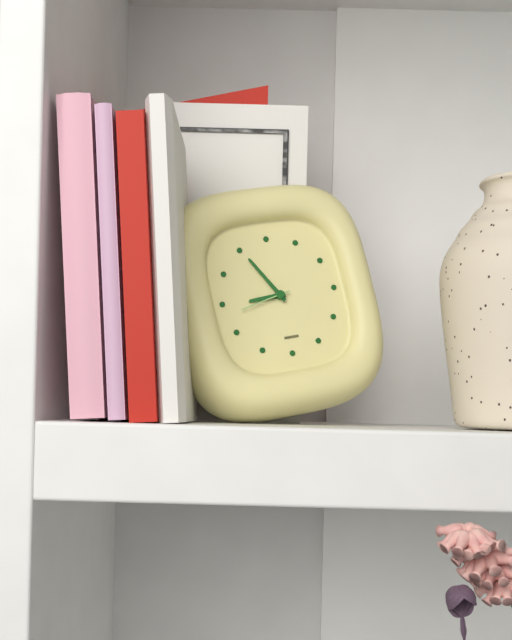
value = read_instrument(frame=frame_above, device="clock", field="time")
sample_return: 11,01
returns 8,55
